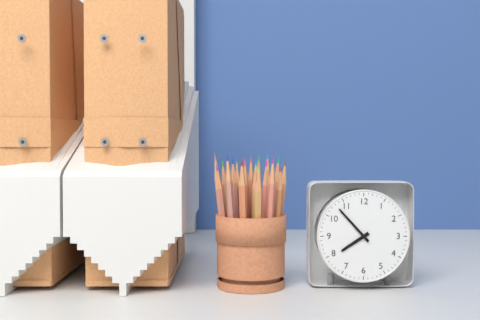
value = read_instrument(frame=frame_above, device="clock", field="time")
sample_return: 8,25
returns 7,53
